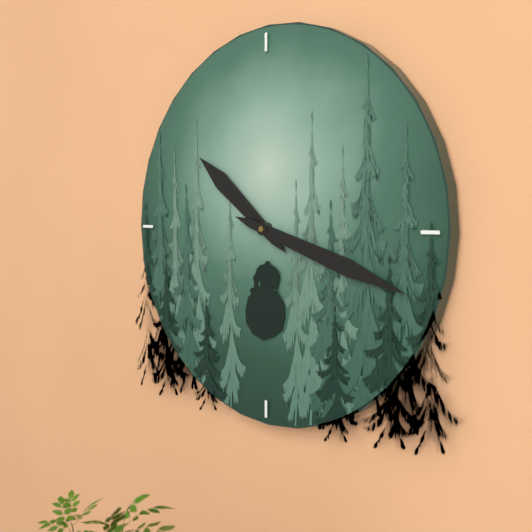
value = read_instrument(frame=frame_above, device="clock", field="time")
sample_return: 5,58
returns 10,18
